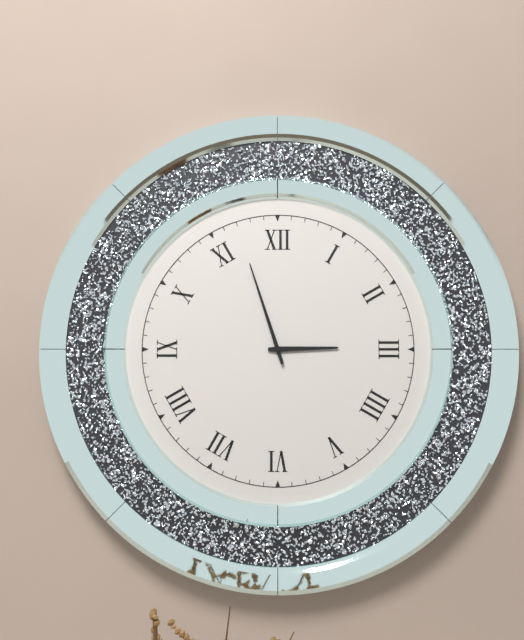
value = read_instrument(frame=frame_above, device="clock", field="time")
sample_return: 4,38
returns 2,57
